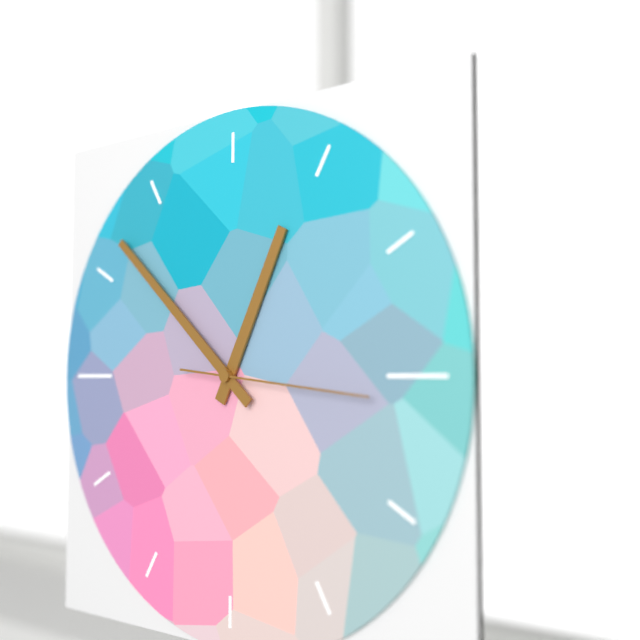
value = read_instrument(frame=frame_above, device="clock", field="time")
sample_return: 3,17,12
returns 12,52,16
